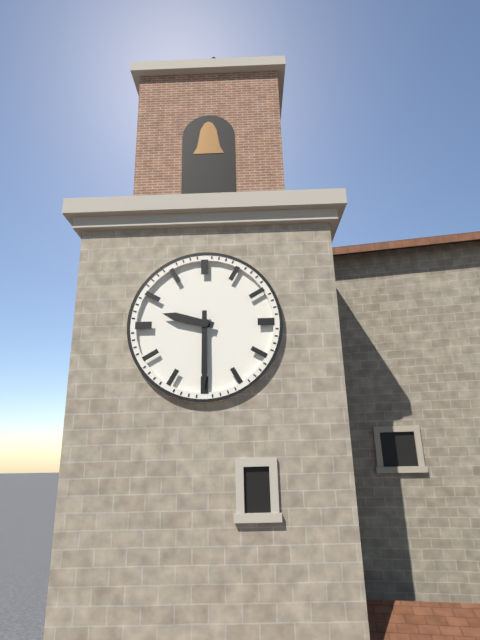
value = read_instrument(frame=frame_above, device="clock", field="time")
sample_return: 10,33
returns 9,30
